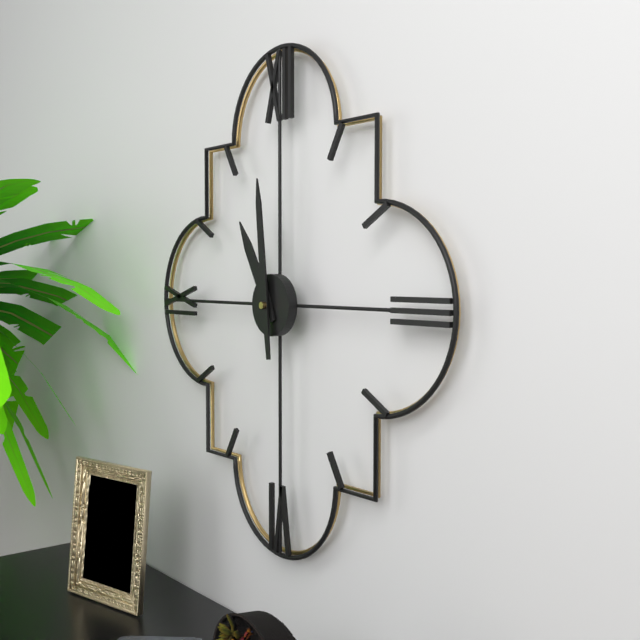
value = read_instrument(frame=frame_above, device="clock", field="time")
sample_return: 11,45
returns 10,59
